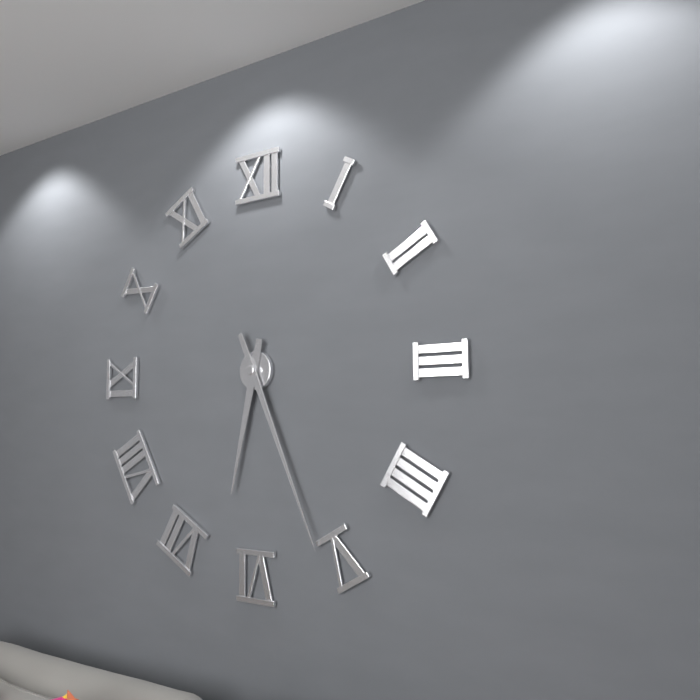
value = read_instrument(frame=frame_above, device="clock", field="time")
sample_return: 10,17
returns 6,26
